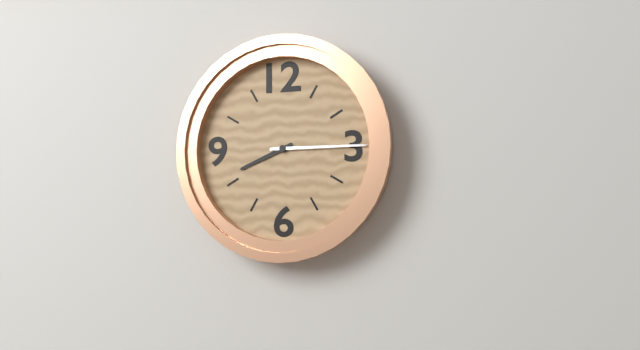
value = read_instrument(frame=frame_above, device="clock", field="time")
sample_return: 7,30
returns 8,15
